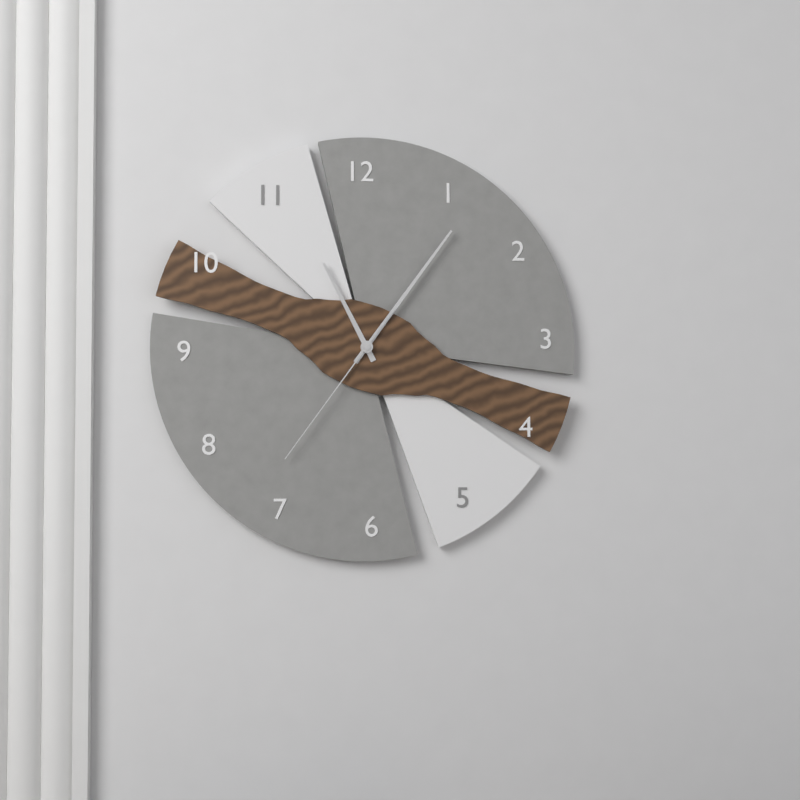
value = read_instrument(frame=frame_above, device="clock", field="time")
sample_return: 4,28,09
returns 11,06,36
